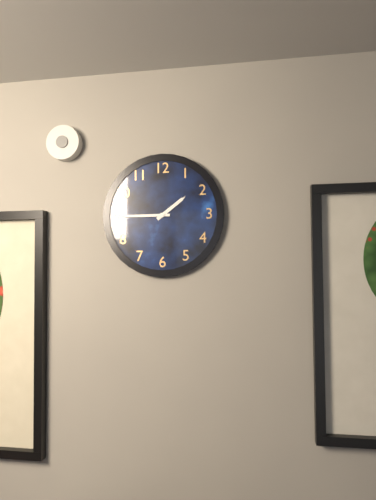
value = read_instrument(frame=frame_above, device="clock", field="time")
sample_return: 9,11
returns 1,45
